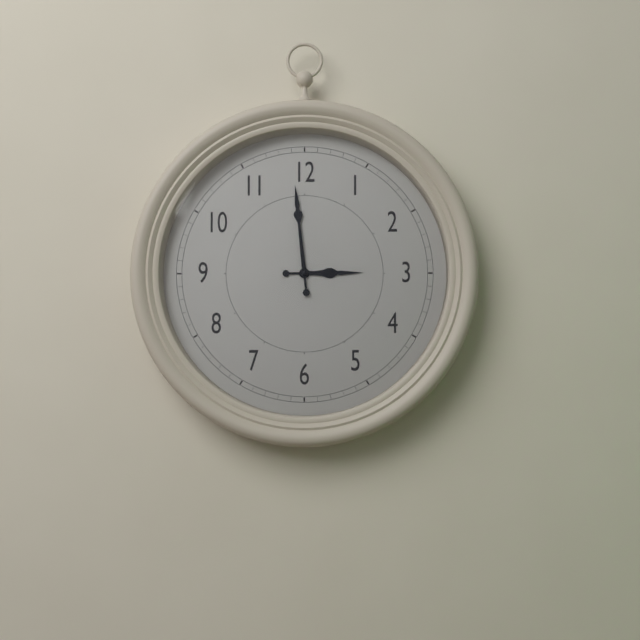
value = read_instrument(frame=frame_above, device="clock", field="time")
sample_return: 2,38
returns 2,59
